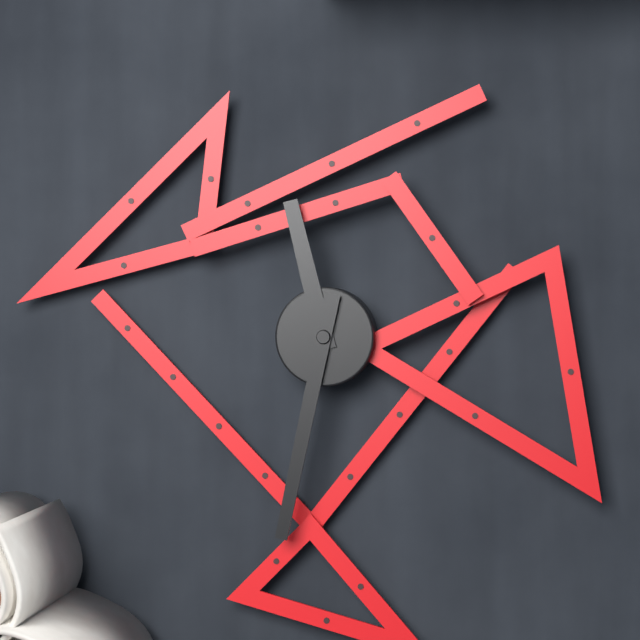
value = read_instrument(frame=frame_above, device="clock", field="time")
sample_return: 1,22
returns 11,32
